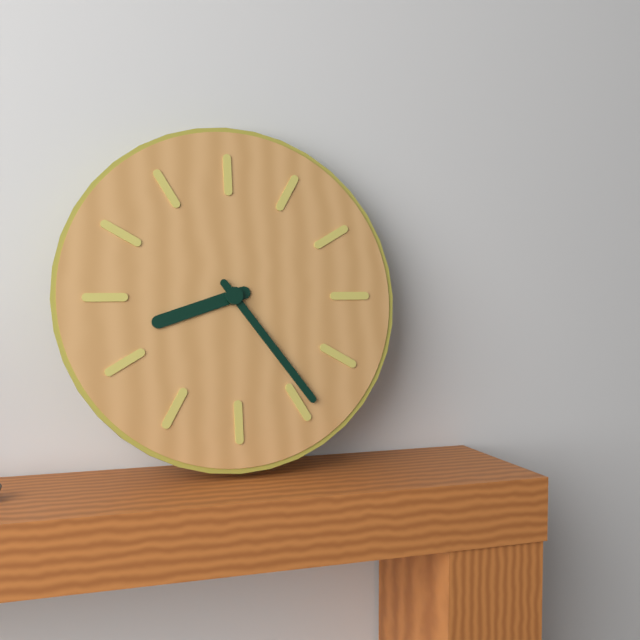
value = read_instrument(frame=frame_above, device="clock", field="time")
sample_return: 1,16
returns 8,24
